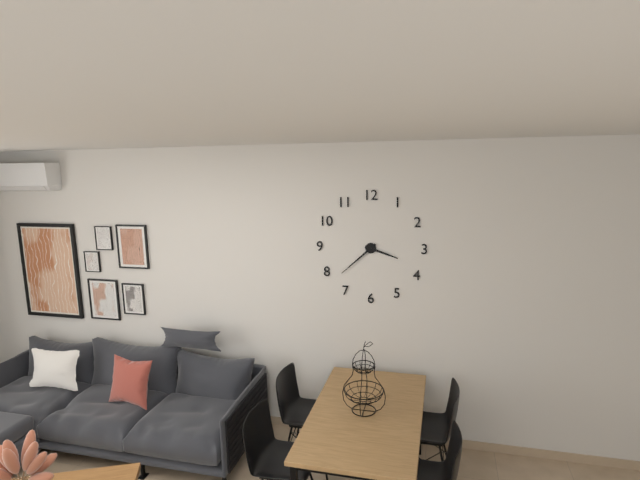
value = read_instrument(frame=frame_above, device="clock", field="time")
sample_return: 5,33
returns 3,38
